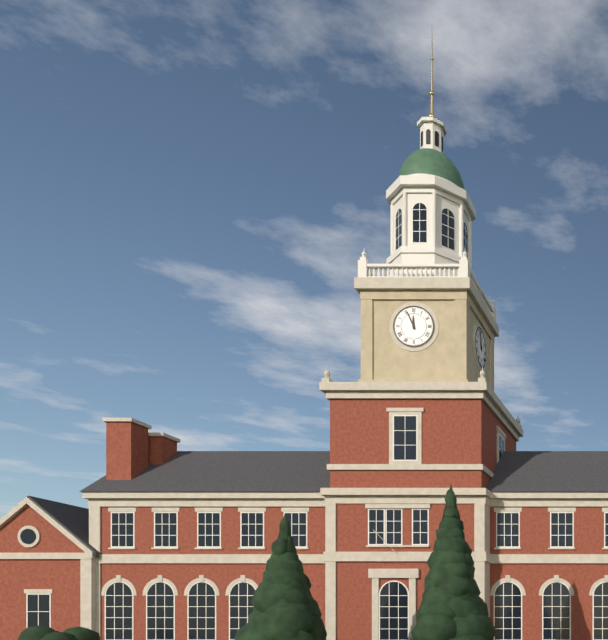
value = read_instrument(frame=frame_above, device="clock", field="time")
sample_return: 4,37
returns 11,56
